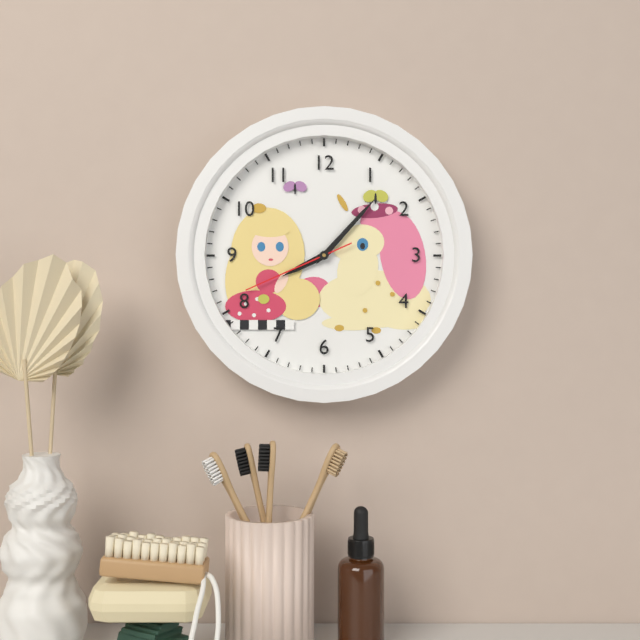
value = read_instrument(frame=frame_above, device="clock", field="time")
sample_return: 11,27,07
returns 8,07,41
